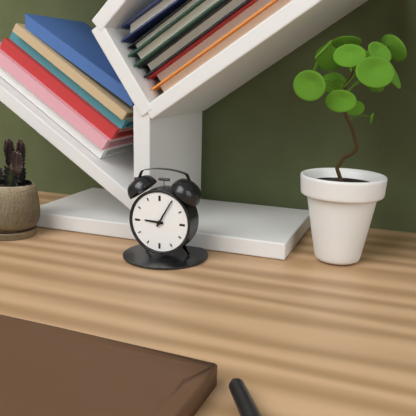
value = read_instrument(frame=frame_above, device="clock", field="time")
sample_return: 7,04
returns 9,05
